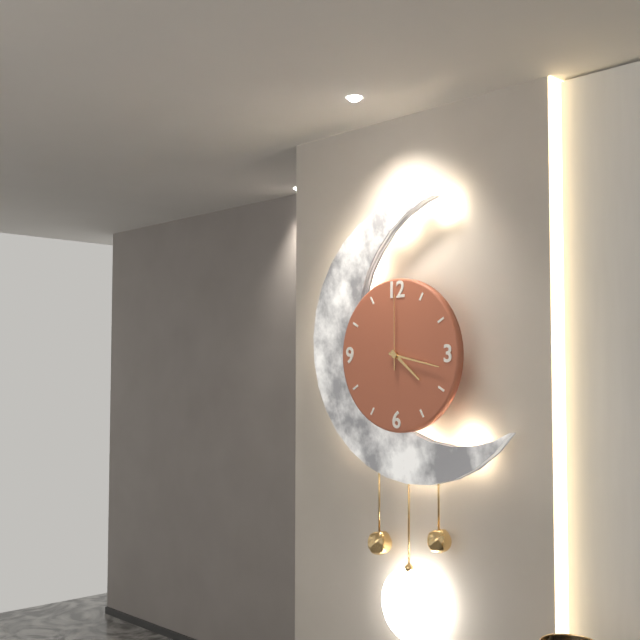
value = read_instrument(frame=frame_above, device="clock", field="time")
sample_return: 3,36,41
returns 4,17,00
